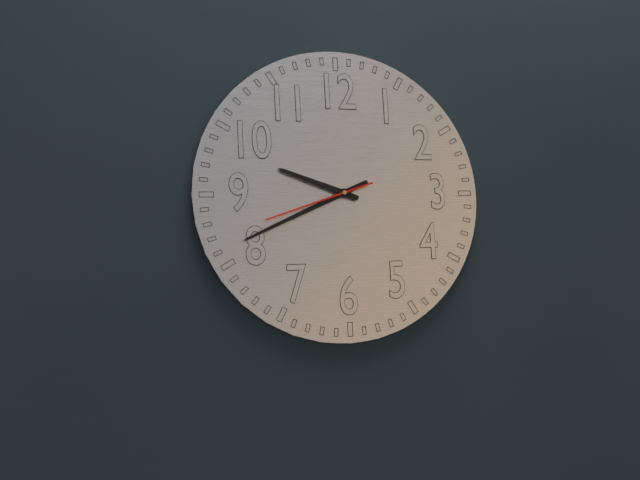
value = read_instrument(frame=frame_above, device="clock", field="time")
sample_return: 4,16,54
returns 9,41,42
